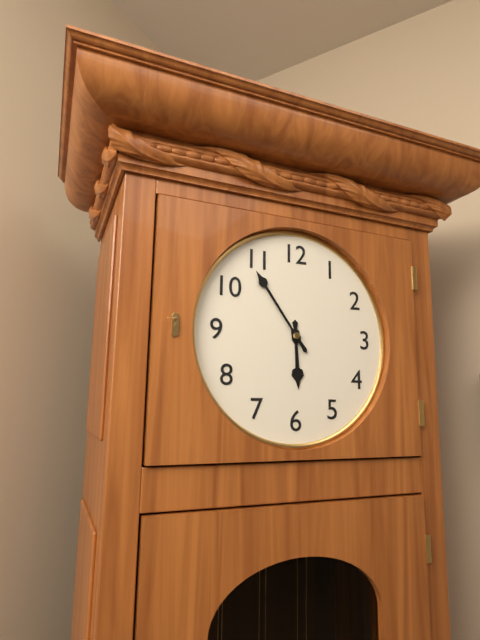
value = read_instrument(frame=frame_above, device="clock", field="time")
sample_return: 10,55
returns 5,54
